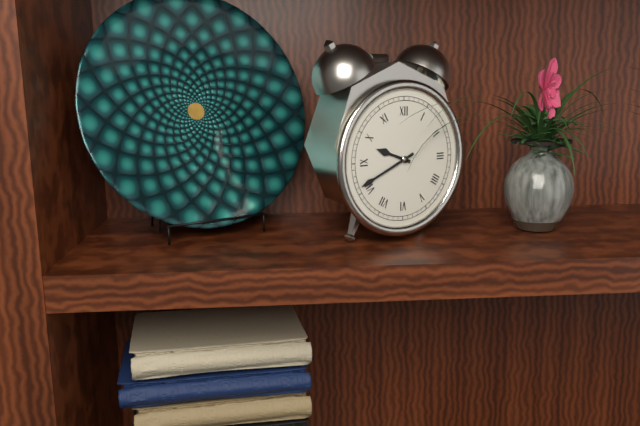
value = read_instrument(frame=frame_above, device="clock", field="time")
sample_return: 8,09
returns 9,41
